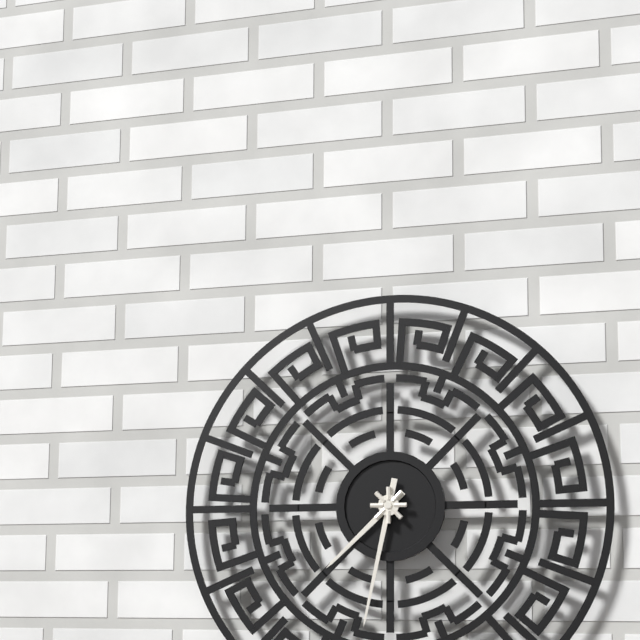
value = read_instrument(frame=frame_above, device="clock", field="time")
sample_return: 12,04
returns 7,32
